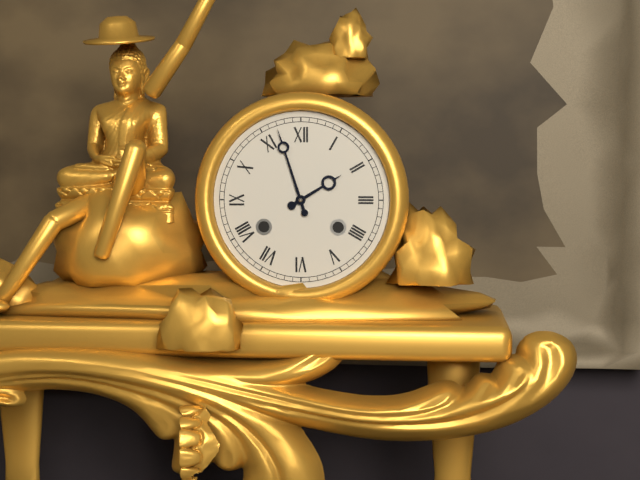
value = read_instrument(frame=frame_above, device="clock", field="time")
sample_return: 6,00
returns 1,57
